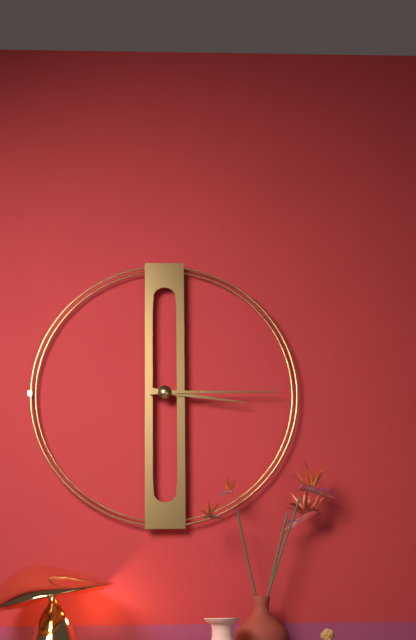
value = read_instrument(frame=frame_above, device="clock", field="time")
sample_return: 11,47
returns 3,15
